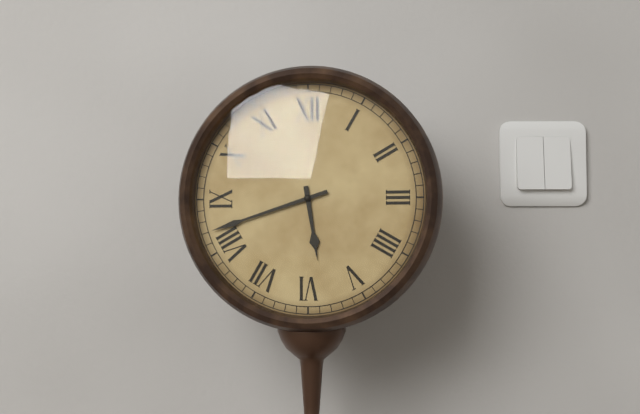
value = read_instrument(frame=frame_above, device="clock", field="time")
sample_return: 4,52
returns 5,42
